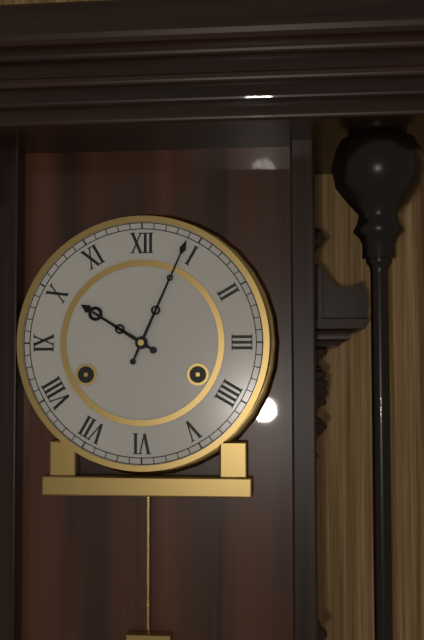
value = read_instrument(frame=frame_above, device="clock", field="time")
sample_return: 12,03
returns 10,04
